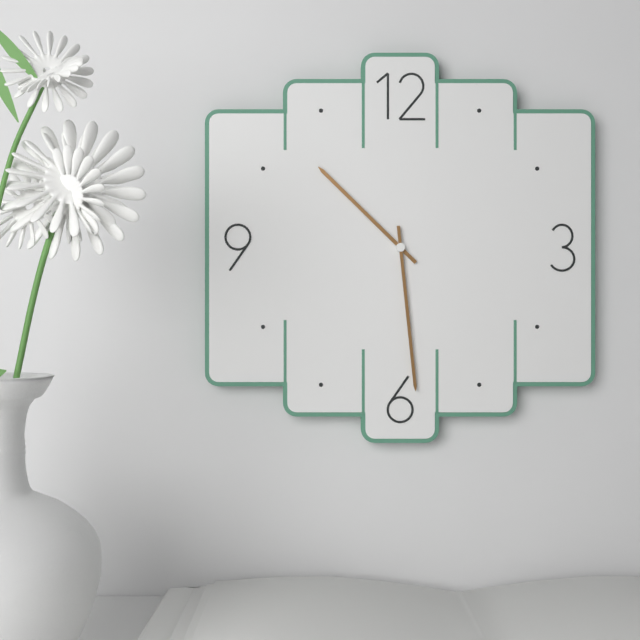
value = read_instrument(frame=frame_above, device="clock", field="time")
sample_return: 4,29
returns 10,29
